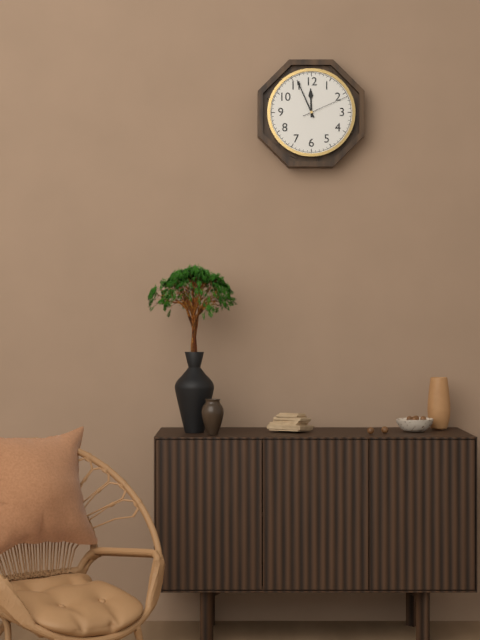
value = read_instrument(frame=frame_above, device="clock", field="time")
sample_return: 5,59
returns 11,56
